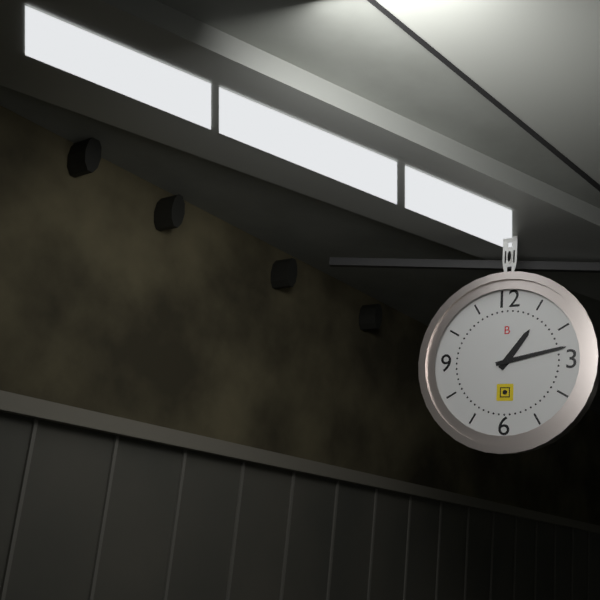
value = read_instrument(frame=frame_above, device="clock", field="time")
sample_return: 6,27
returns 1,13
